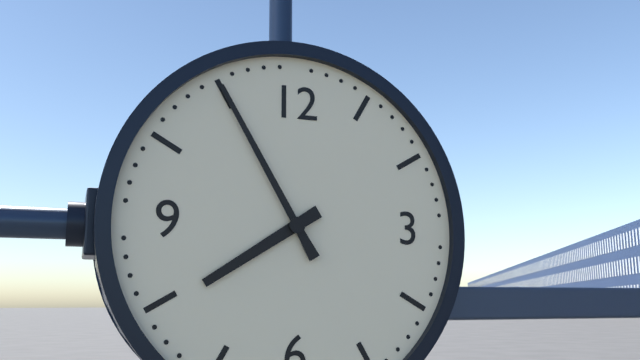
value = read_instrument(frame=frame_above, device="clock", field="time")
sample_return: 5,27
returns 7,55
